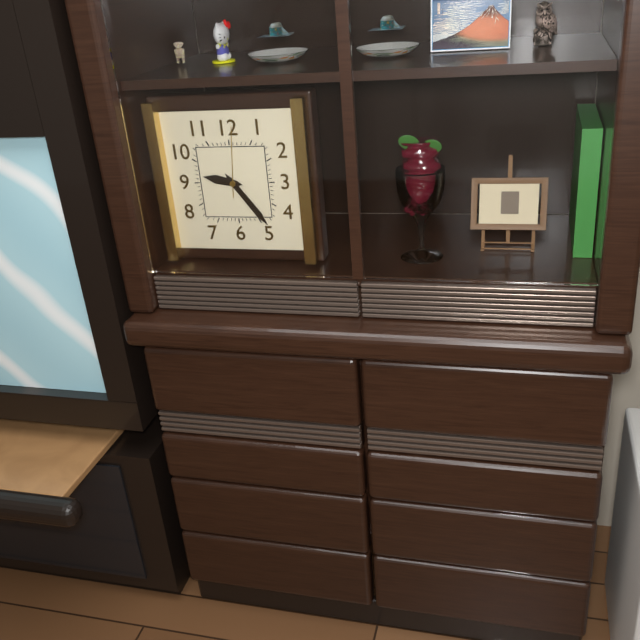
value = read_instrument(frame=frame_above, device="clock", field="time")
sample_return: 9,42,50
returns 9,24,01
